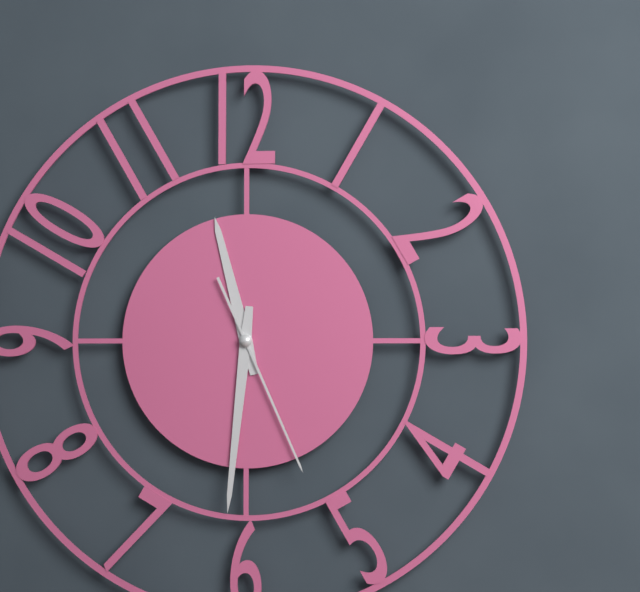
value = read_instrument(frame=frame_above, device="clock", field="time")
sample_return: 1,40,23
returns 11,31,26
